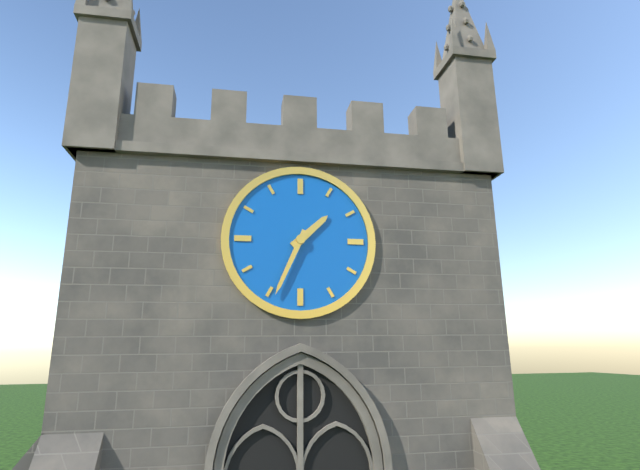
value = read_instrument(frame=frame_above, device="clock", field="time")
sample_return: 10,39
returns 1,34
